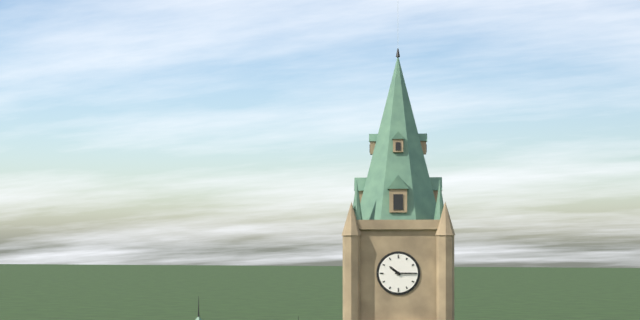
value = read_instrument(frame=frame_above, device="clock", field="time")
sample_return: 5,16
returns 10,15
